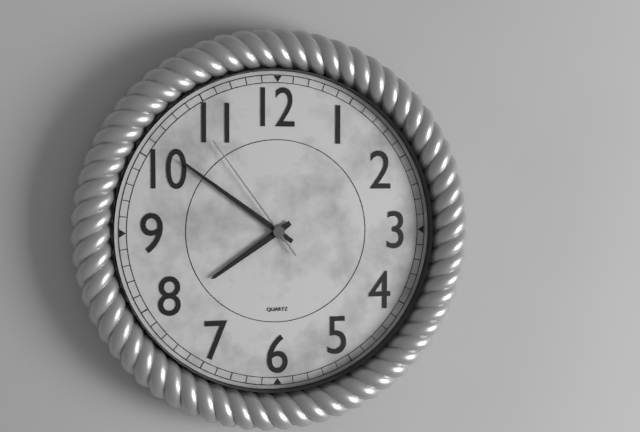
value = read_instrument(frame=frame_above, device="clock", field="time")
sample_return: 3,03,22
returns 7,51,54
